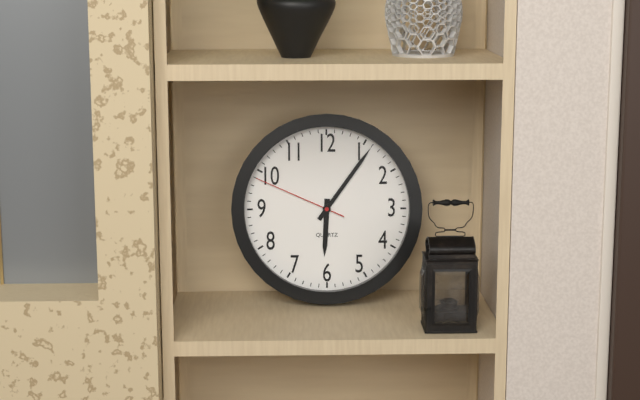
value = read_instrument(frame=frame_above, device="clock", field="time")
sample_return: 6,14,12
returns 6,06,49
